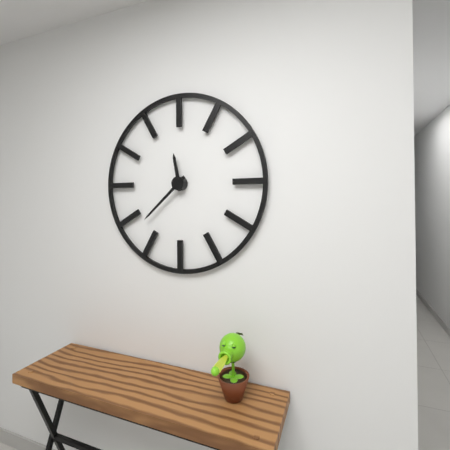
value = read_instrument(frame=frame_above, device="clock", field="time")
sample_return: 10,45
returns 11,38
